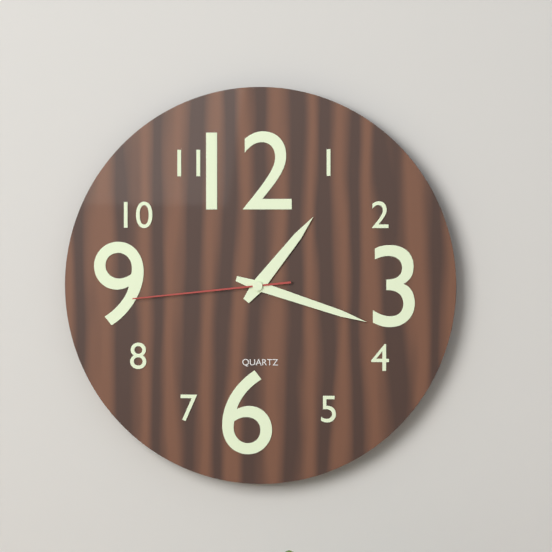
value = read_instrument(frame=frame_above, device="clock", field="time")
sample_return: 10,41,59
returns 1,18,44
